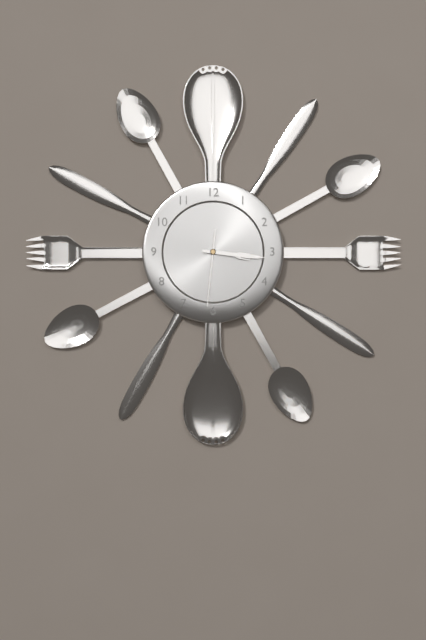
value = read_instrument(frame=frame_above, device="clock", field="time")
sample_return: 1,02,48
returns 3,16,31
